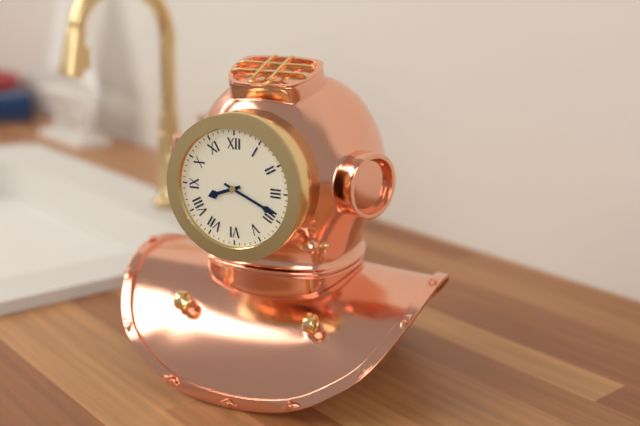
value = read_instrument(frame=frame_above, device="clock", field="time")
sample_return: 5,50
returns 8,19
